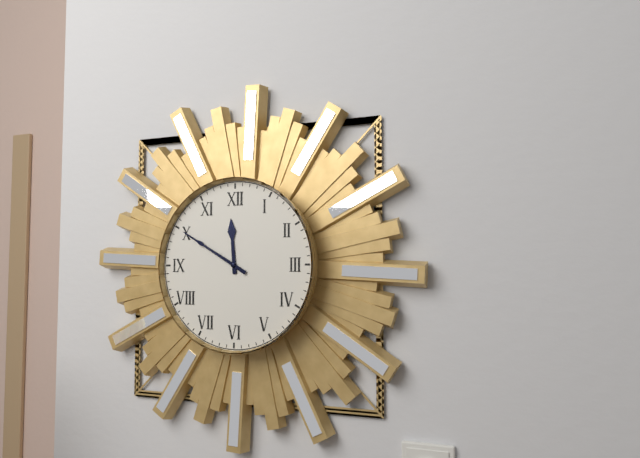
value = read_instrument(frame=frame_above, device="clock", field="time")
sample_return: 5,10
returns 11,50
